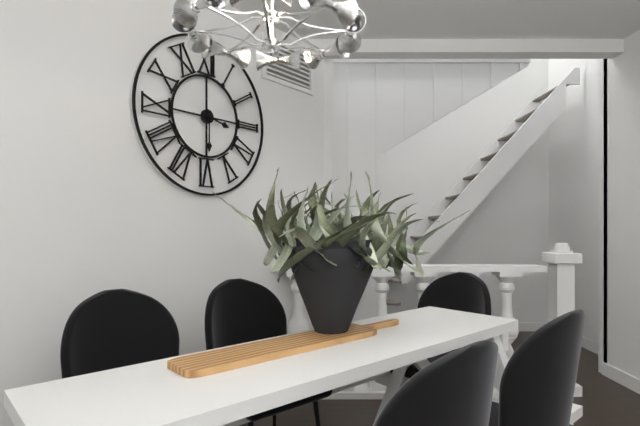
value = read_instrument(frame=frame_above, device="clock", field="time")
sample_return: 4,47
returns 3,30
